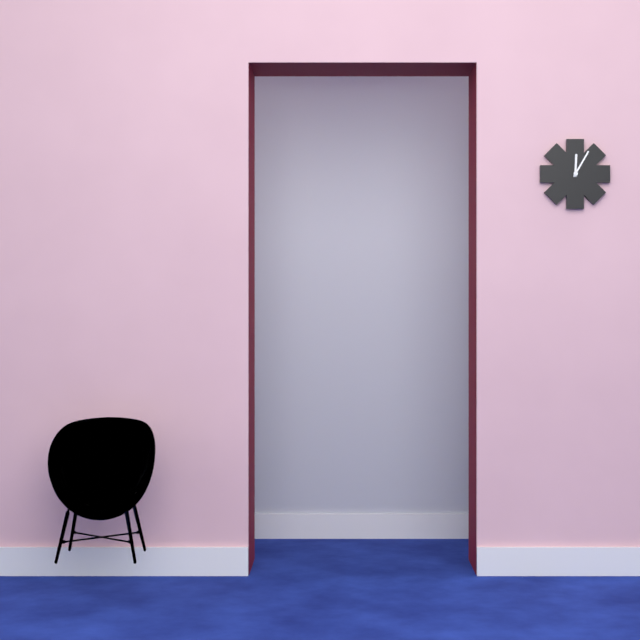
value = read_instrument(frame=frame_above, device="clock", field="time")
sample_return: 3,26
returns 12,05
